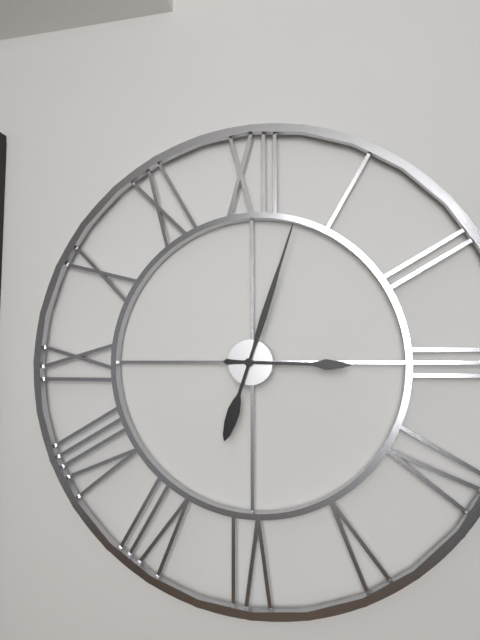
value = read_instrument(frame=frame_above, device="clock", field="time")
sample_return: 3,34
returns 3,03
